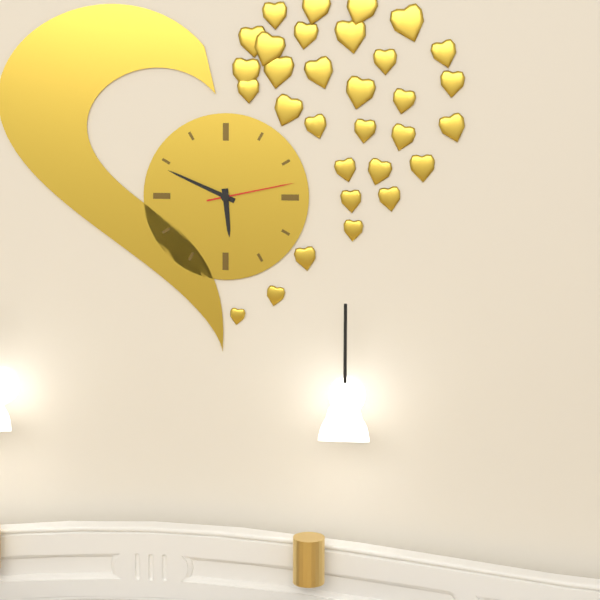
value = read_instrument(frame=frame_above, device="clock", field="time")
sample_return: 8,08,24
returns 5,49,13
